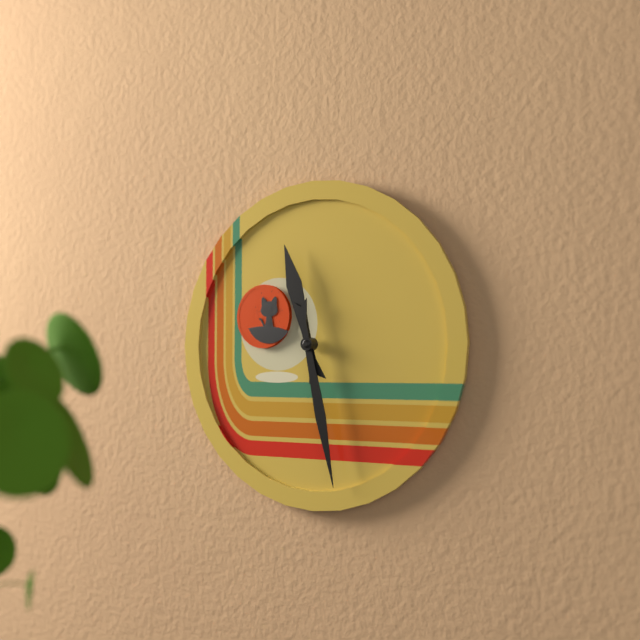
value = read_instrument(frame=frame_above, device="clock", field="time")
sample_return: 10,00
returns 11,28
